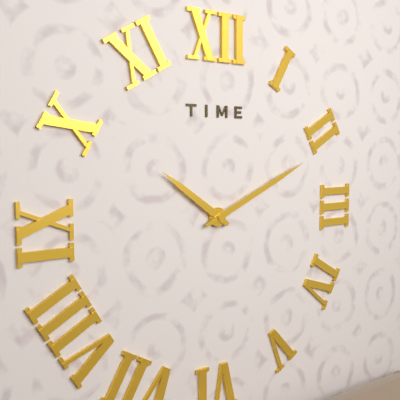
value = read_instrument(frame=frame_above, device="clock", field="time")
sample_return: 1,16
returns 10,11
